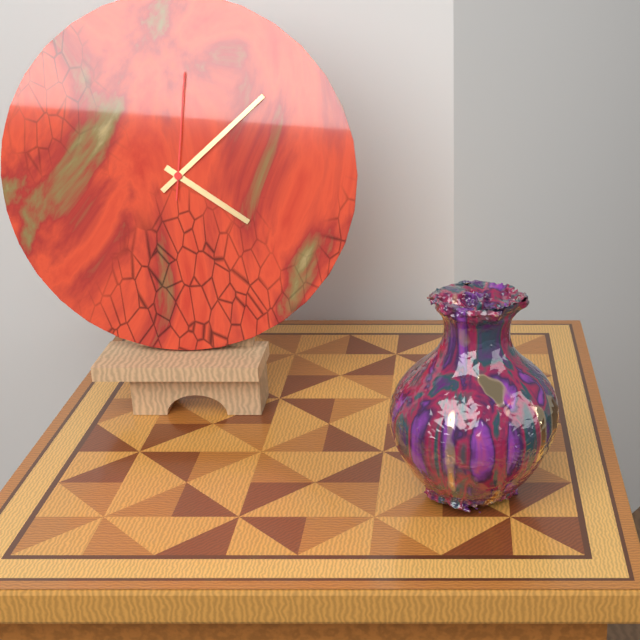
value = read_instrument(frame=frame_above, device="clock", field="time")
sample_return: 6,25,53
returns 4,08,01
